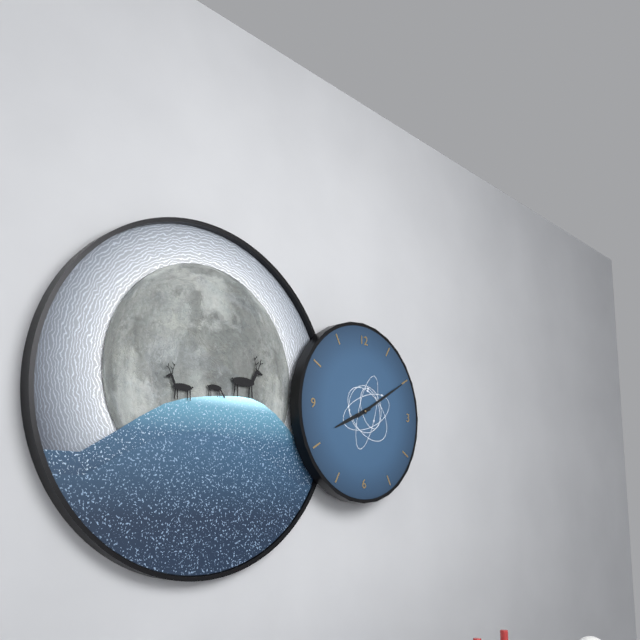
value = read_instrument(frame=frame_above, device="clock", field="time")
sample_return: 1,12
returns 8,10
